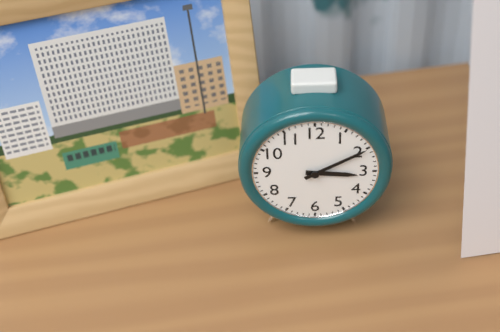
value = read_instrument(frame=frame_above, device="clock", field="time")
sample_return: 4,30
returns 3,10
